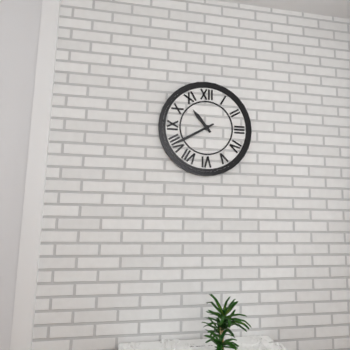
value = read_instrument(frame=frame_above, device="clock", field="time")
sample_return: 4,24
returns 10,40
